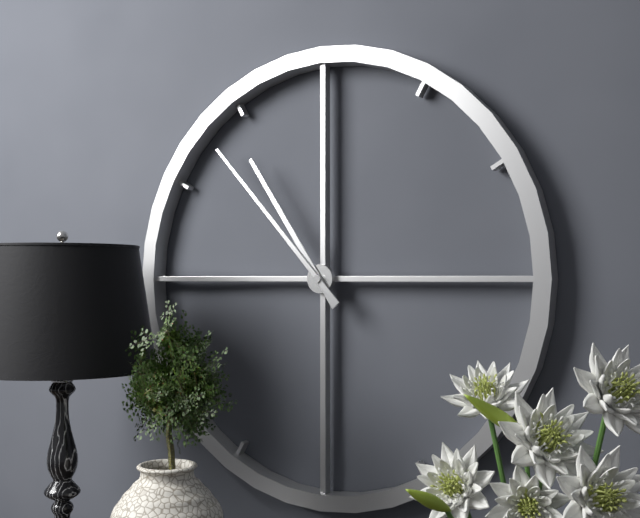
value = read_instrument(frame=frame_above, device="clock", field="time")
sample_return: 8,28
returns 10,53
